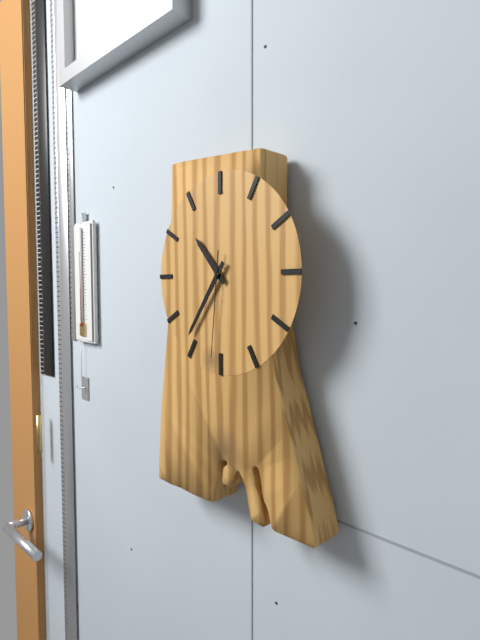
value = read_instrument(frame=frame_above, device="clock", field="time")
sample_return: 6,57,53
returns 10,36,31
